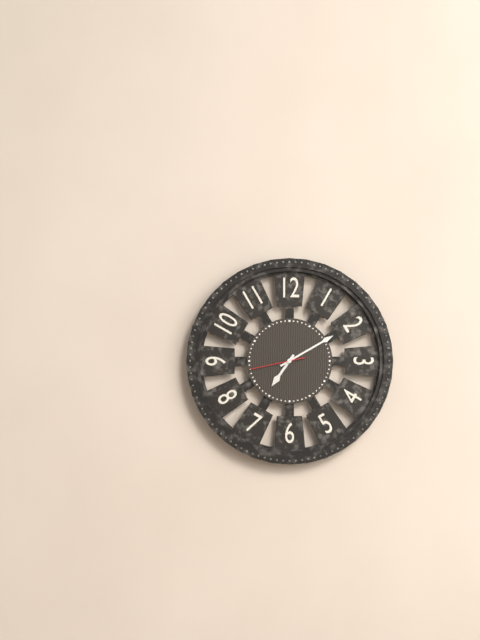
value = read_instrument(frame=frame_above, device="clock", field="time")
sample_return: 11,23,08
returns 7,10,43
